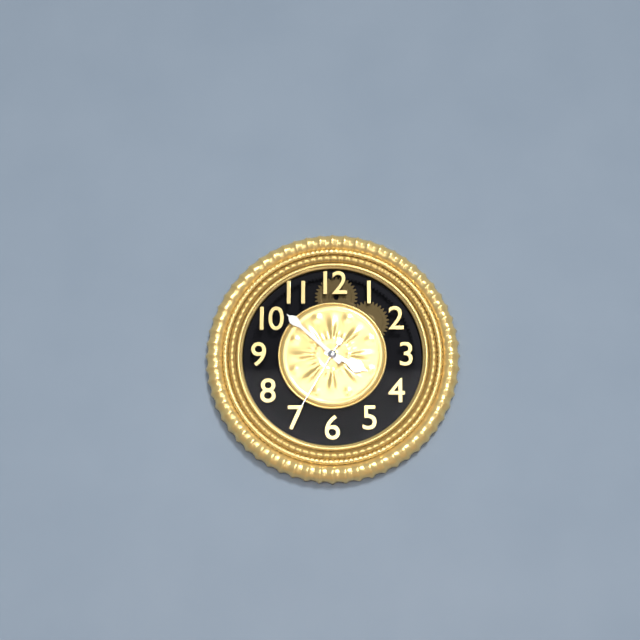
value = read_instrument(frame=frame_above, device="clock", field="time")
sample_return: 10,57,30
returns 3,52,35
